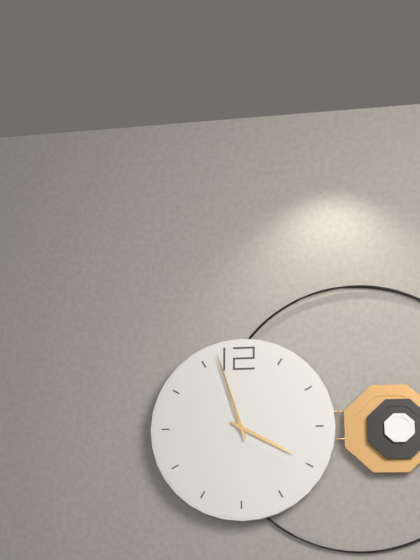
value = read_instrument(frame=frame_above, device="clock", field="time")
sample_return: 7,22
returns 3,57
